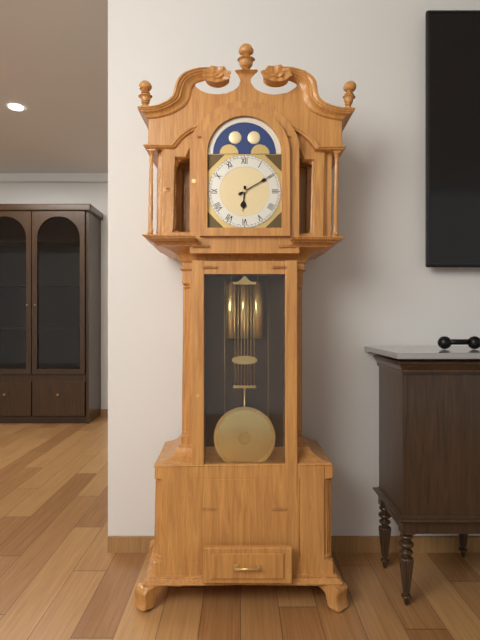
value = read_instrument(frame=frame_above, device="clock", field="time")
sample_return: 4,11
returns 6,10
